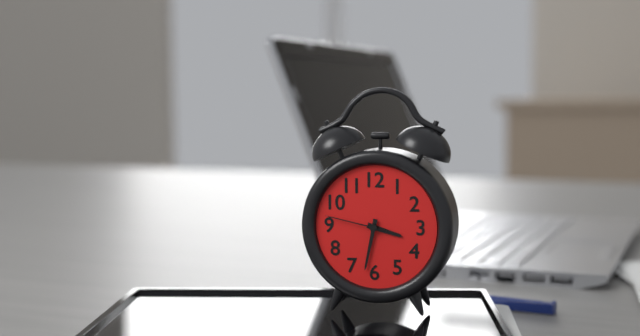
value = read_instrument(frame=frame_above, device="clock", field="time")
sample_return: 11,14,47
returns 3,32,47
